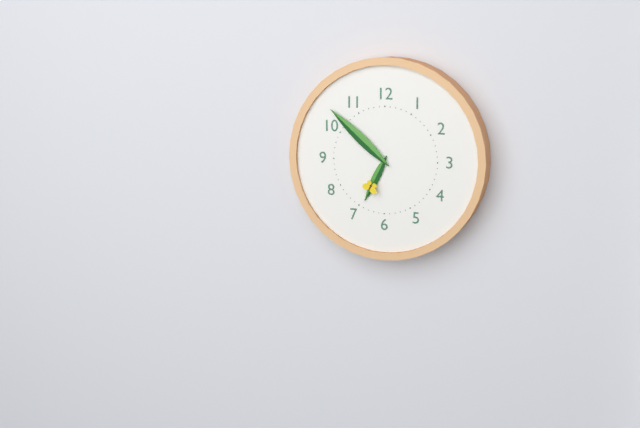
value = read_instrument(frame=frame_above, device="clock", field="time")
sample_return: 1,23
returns 6,52
